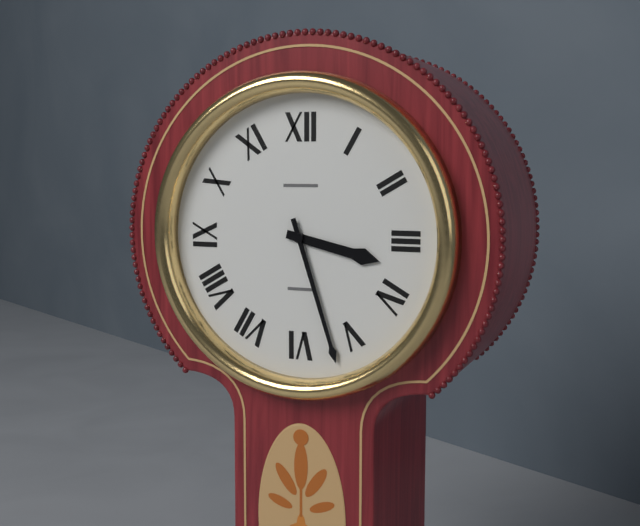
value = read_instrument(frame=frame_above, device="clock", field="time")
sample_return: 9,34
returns 3,27
